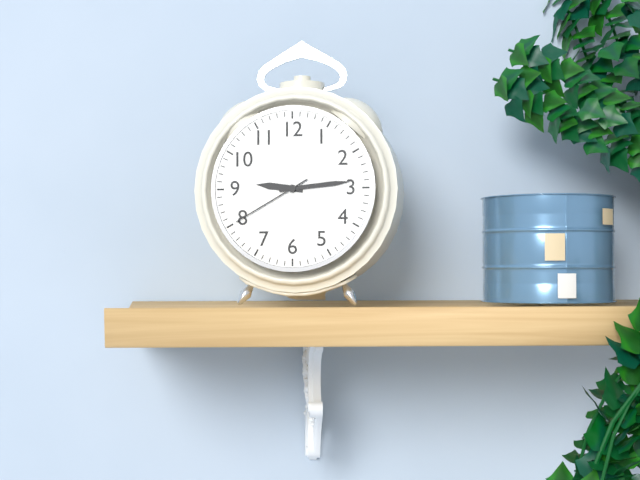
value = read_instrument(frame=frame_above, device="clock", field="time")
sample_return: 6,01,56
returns 9,14,40
